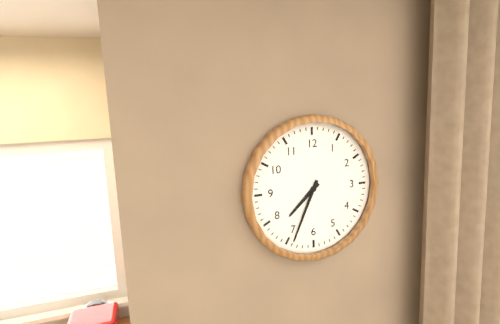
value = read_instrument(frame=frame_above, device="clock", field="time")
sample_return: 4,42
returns 7,34
